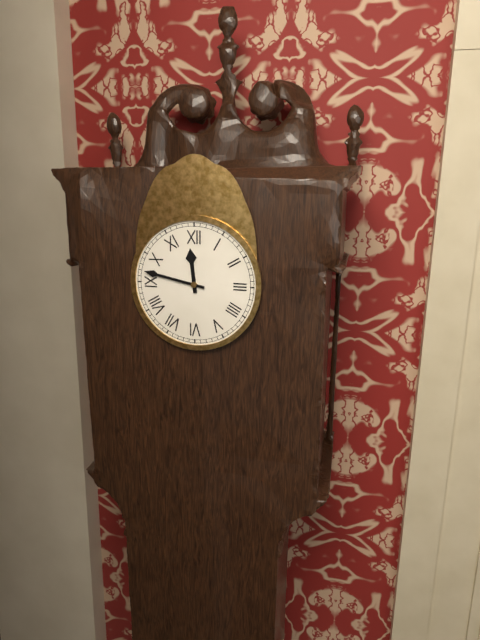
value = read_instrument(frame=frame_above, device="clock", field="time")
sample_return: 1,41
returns 11,47
